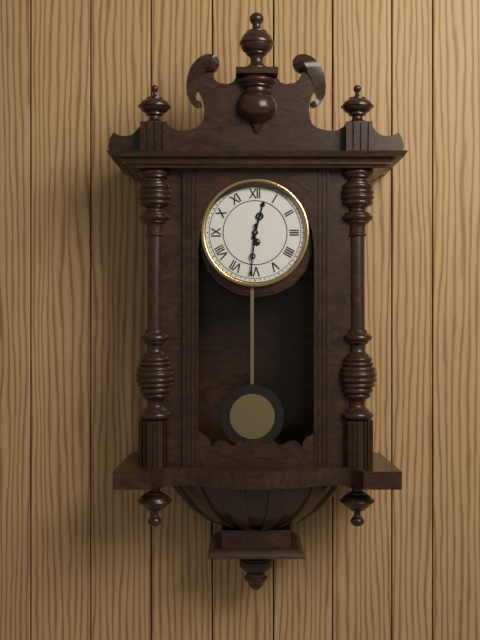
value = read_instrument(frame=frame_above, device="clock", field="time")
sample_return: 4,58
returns 12,31
